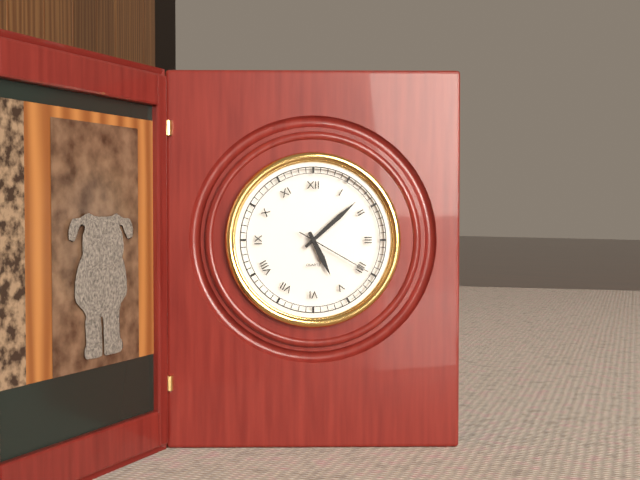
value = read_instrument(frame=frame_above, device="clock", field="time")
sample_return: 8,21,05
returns 5,08,20
